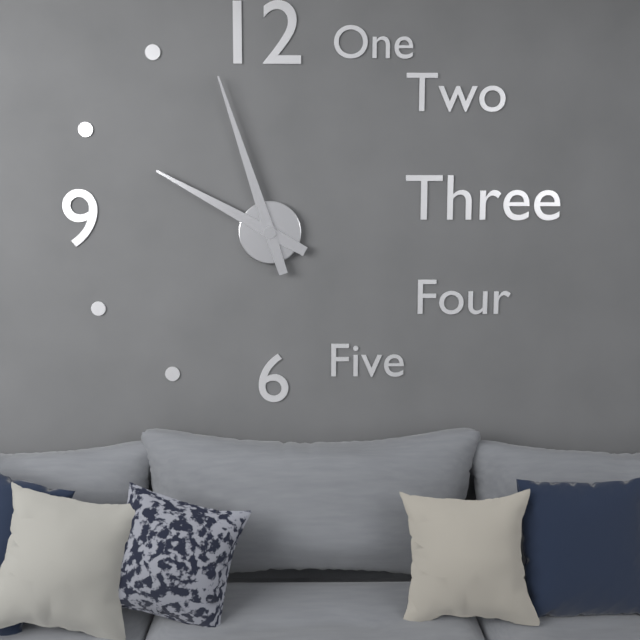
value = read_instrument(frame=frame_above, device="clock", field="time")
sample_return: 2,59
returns 9,57
